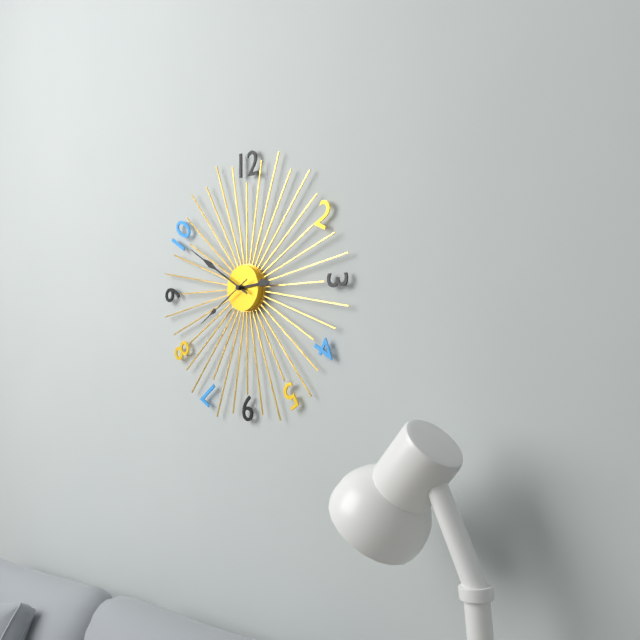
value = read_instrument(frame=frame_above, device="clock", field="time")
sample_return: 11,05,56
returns 2,50,40
